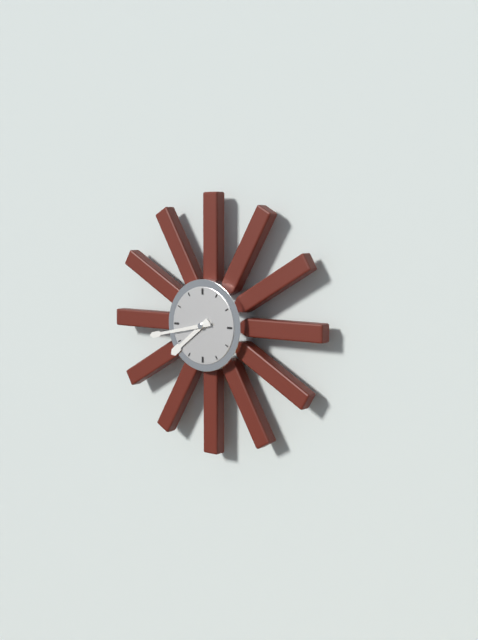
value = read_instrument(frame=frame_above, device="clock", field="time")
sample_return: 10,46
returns 7,43
